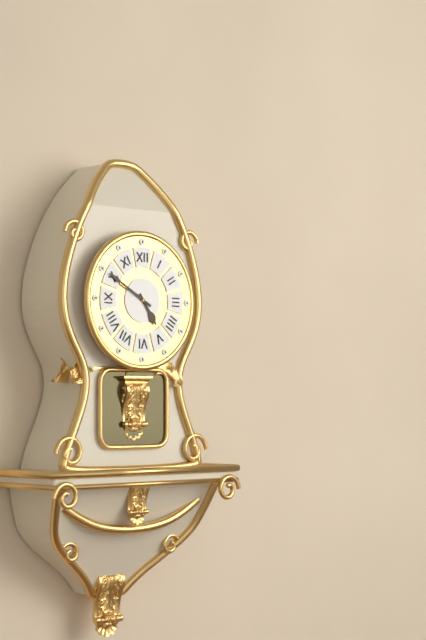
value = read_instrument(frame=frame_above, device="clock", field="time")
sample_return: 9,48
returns 4,50
